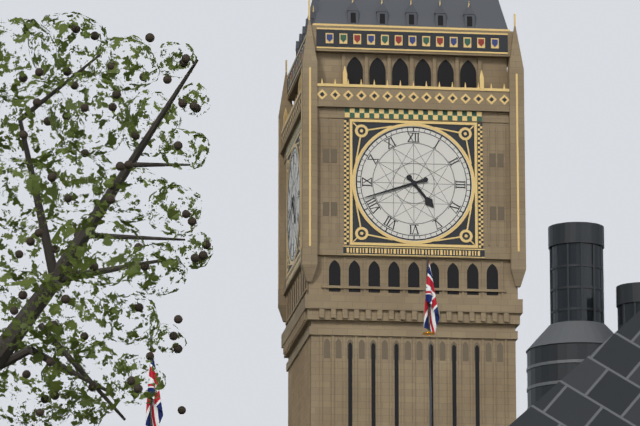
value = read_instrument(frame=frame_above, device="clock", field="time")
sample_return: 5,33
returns 4,42
